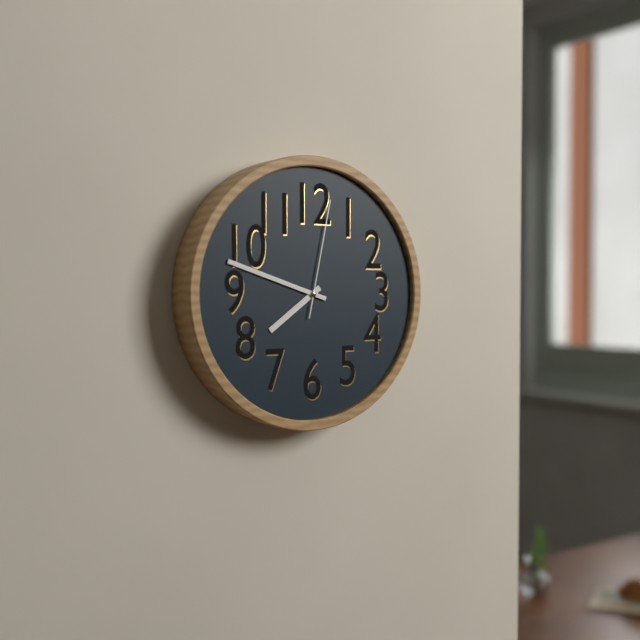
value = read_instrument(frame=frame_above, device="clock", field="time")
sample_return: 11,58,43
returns 7,48,02
